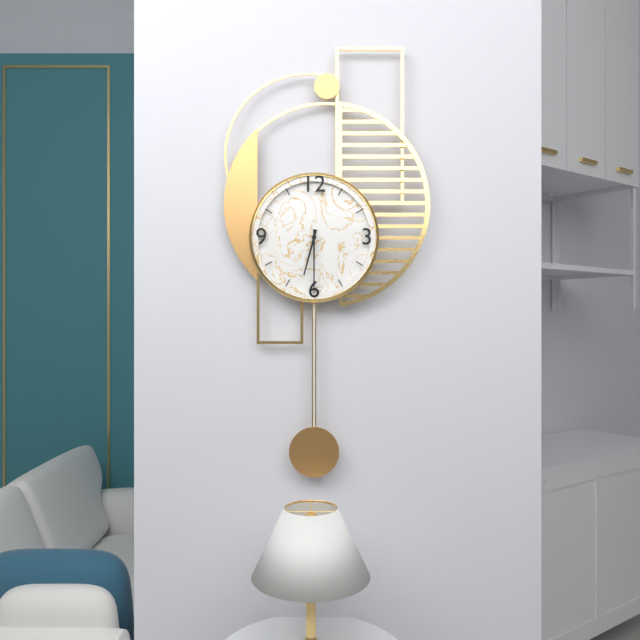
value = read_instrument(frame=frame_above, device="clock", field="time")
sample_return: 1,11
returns 6,30
